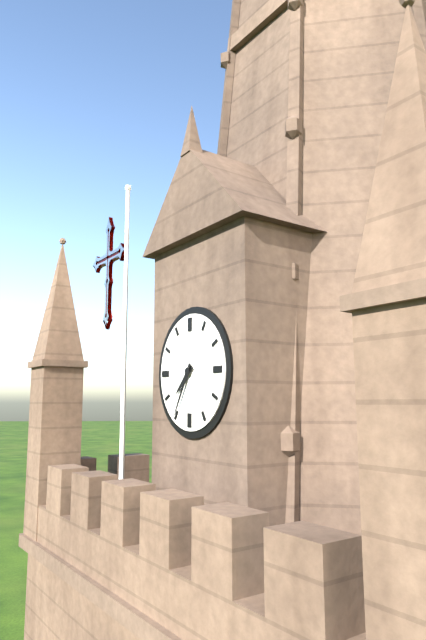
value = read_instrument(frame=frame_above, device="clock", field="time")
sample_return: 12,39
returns 7,35
